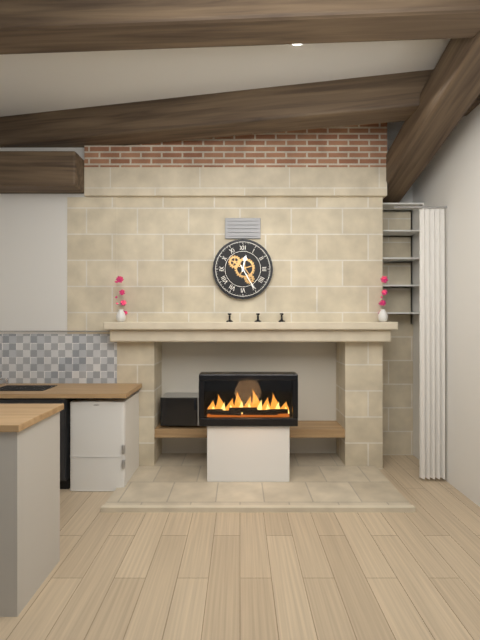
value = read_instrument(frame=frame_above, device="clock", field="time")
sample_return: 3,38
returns 12,25
